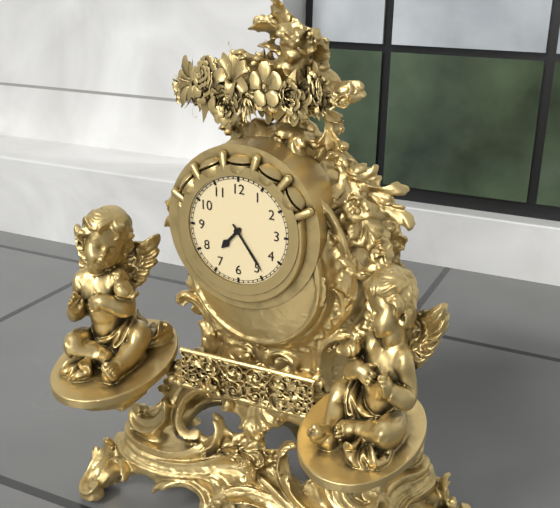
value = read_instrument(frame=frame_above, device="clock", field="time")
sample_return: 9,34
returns 7,24
